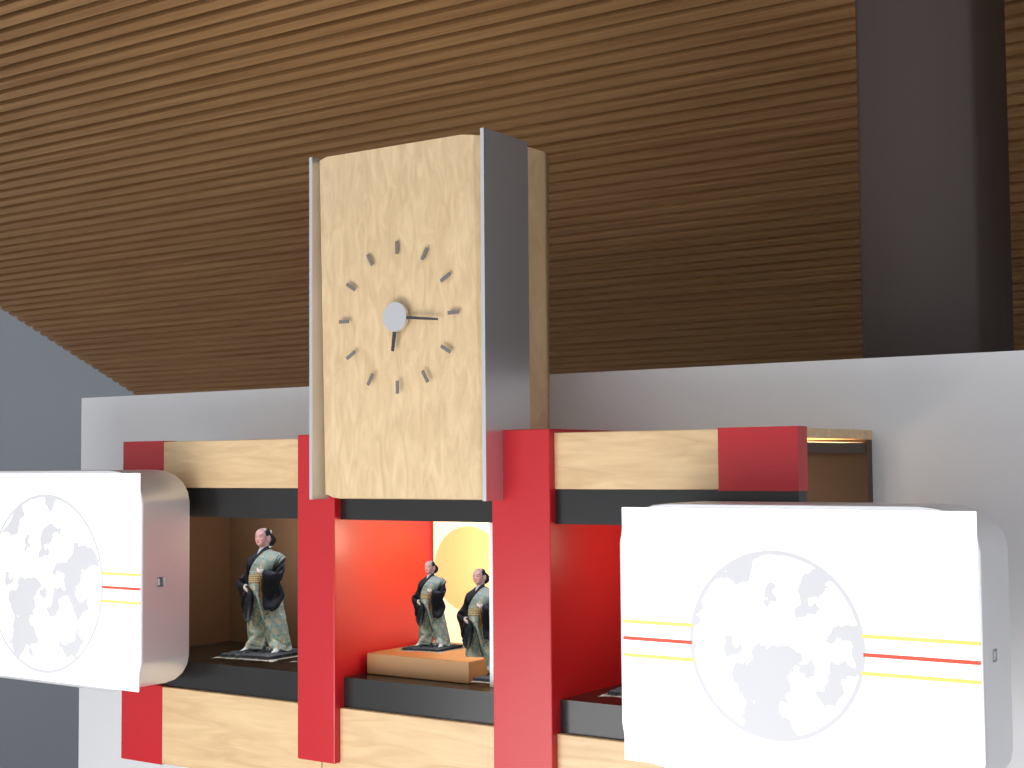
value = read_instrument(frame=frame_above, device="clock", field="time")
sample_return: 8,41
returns 6,16
